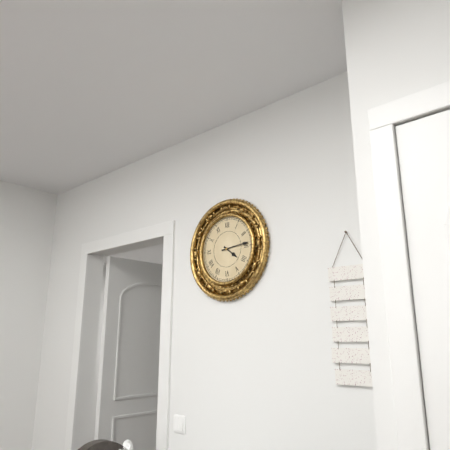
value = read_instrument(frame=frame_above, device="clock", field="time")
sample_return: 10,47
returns 4,14
